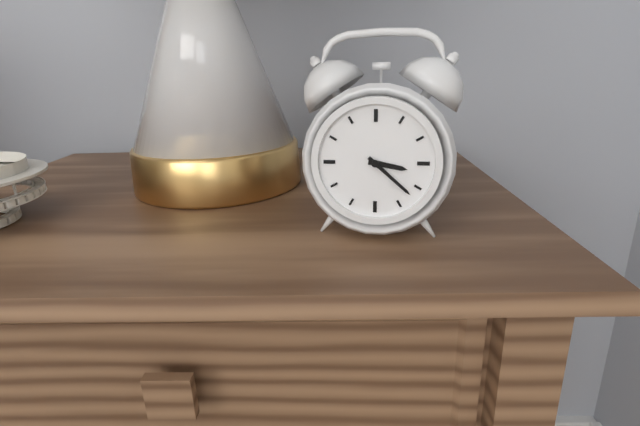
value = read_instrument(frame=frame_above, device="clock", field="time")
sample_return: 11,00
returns 3,22
